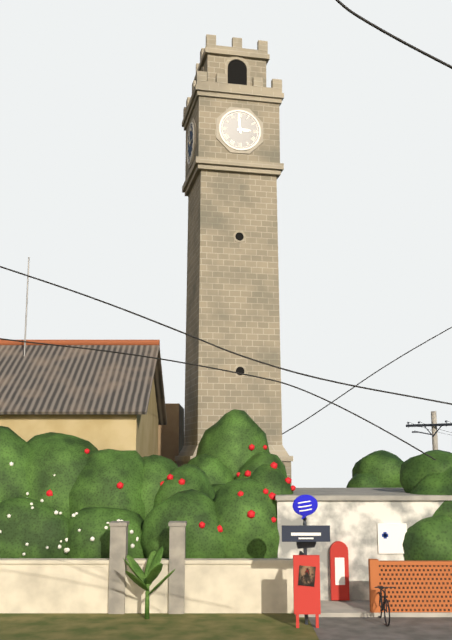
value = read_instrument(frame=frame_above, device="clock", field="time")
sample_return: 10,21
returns 2,59
